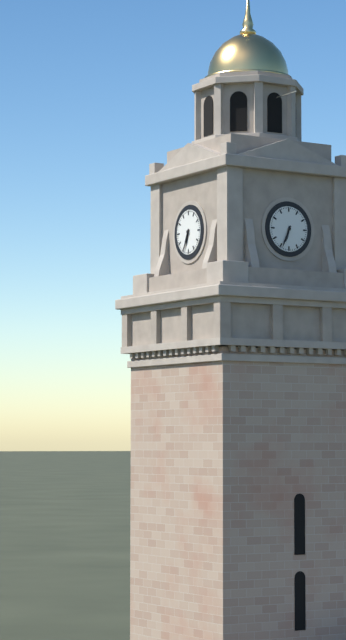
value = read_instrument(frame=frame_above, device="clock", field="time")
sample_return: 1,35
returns 6,34
